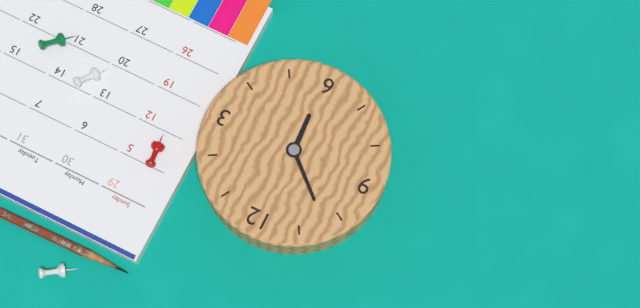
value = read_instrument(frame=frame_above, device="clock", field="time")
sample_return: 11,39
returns 5,52
